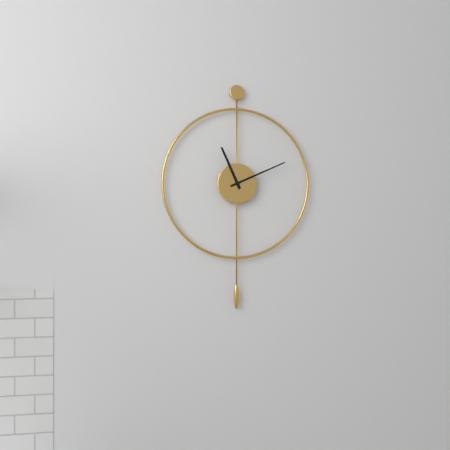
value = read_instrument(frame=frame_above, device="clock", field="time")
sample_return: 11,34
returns 11,11
